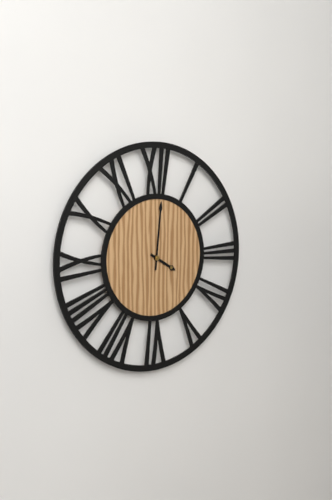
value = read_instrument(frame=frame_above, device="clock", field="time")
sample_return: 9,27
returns 4,01
